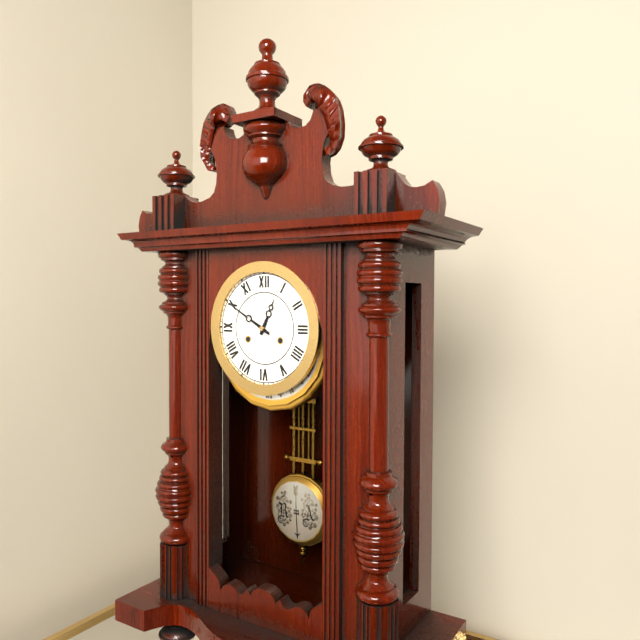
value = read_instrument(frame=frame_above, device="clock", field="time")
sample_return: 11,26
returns 12,50
